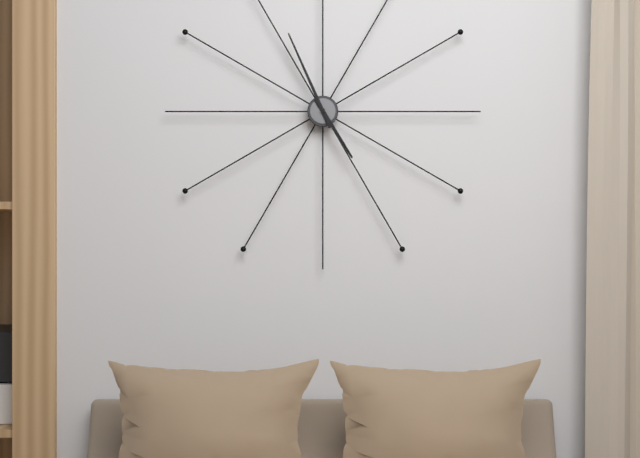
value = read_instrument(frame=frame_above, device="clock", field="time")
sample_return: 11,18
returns 4,56
